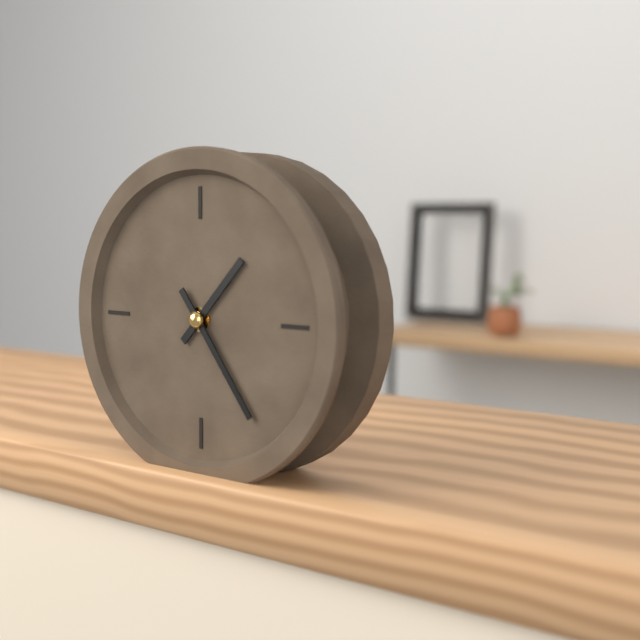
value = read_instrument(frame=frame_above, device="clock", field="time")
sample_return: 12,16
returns 1,24
